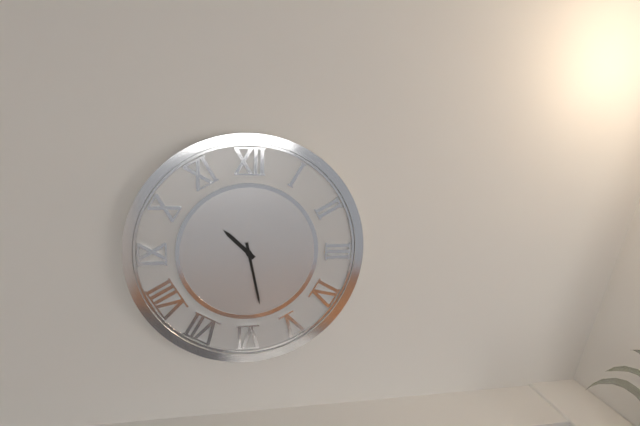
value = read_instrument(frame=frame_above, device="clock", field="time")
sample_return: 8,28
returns 10,28
